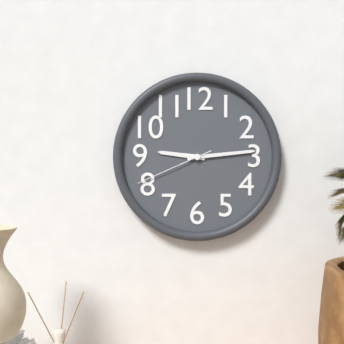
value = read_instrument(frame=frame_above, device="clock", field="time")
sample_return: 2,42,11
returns 9,14,41
